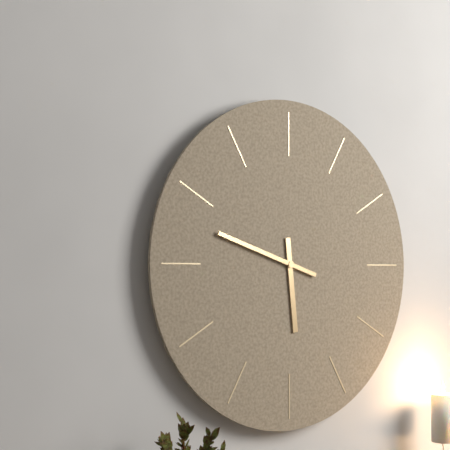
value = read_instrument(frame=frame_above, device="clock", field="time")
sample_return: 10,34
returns 5,48
